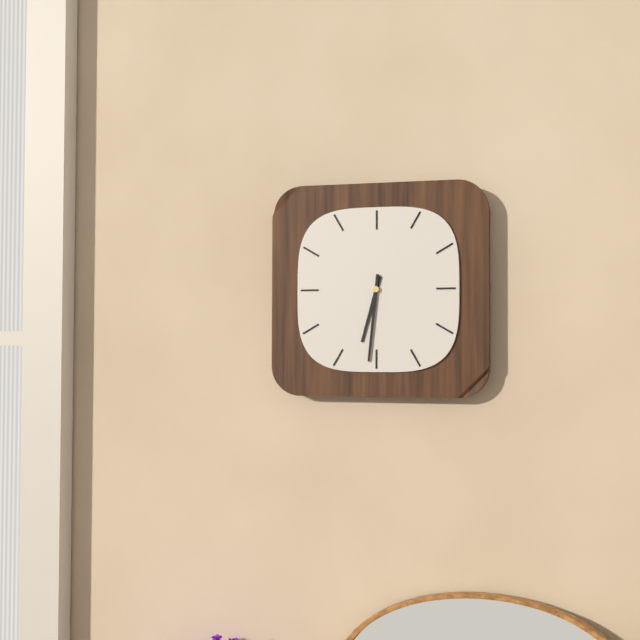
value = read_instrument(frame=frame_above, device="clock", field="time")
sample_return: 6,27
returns 6,31
